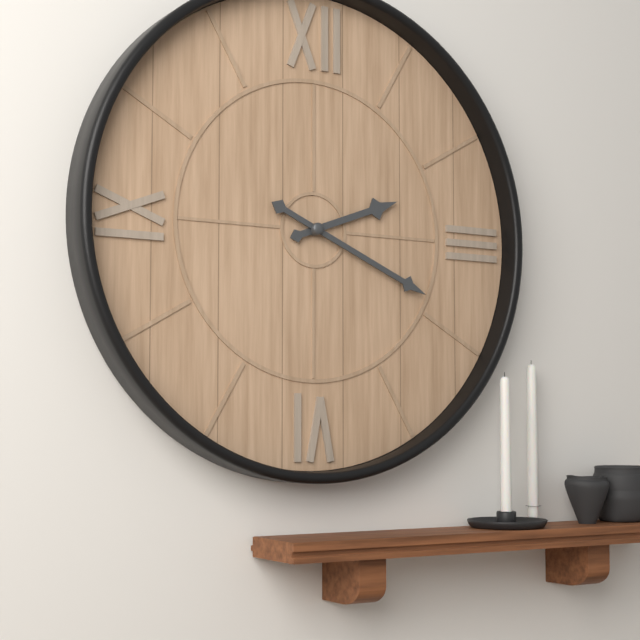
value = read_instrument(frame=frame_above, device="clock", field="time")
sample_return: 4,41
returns 2,19
